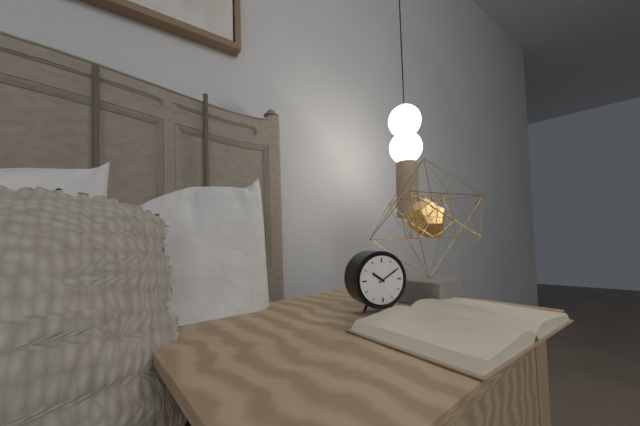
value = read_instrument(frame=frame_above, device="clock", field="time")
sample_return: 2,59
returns 10,10
